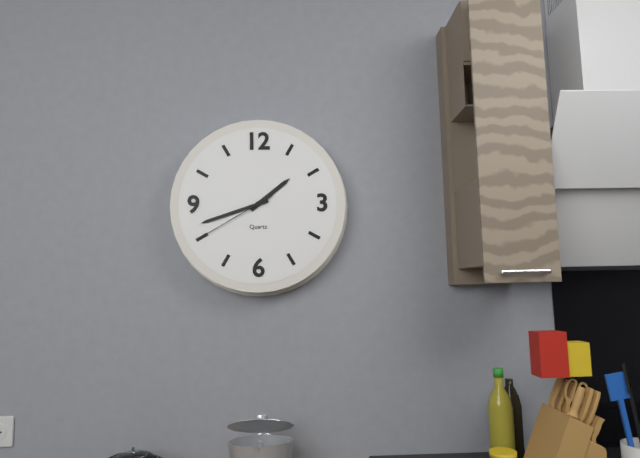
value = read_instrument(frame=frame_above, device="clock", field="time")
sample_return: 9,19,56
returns 1,42,40
